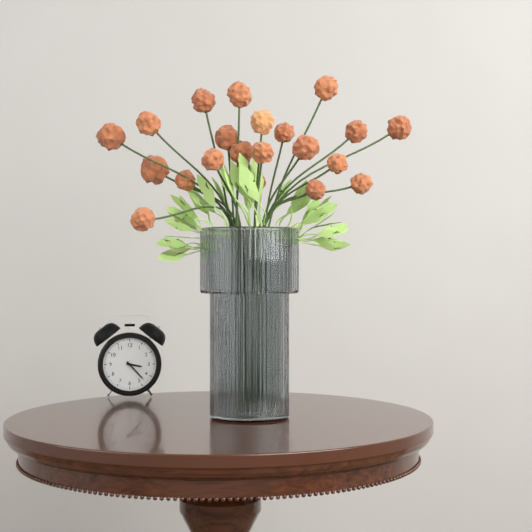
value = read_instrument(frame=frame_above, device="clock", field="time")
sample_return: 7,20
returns 3,23
